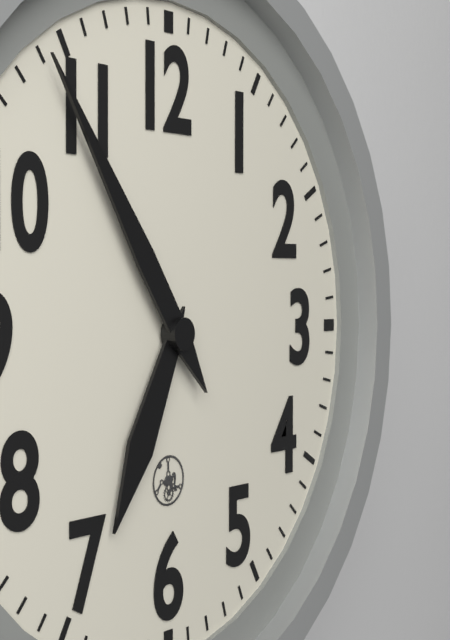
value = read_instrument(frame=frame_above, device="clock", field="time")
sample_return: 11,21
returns 6,54
